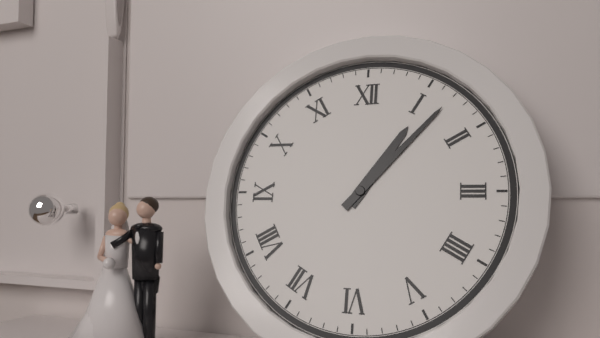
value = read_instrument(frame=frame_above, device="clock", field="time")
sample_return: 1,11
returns 1,07
